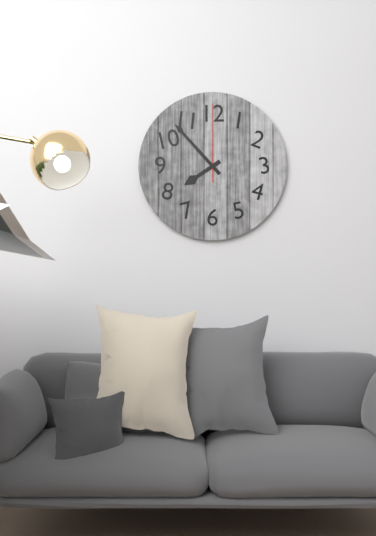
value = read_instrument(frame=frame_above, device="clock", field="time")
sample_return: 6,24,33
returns 7,53,00
